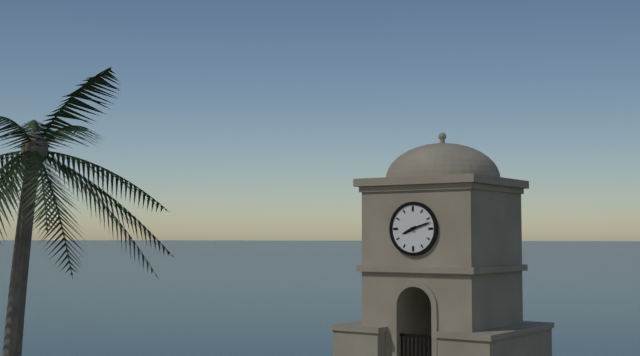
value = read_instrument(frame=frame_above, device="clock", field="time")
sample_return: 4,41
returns 8,12
